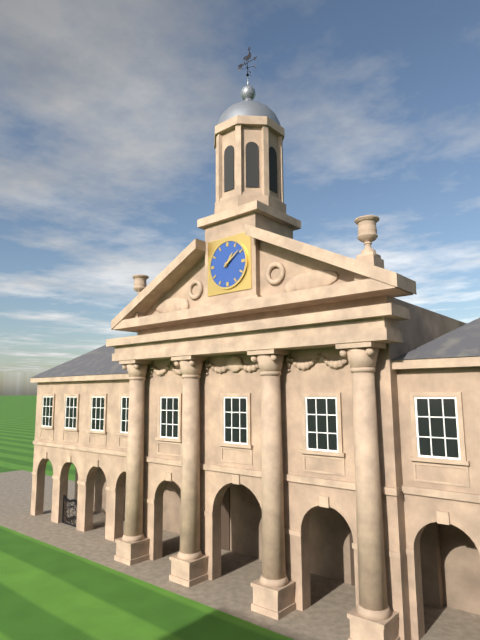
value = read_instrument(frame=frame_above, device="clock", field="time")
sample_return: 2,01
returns 1,09
